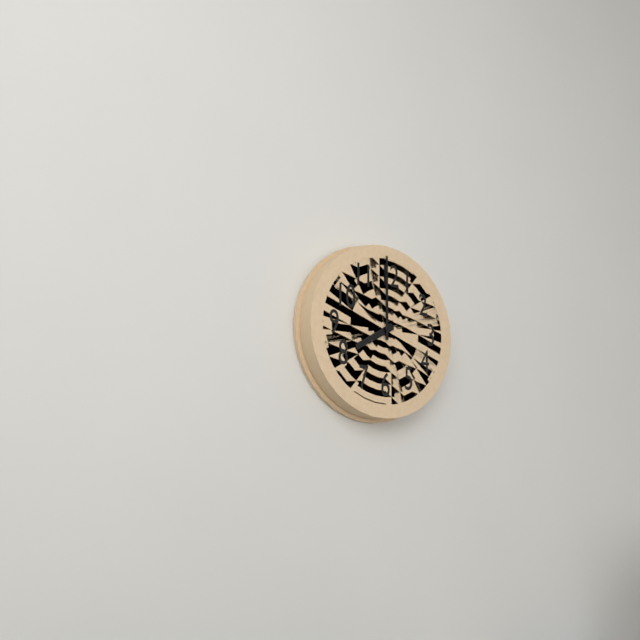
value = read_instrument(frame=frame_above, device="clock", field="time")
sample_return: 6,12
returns 8,00
